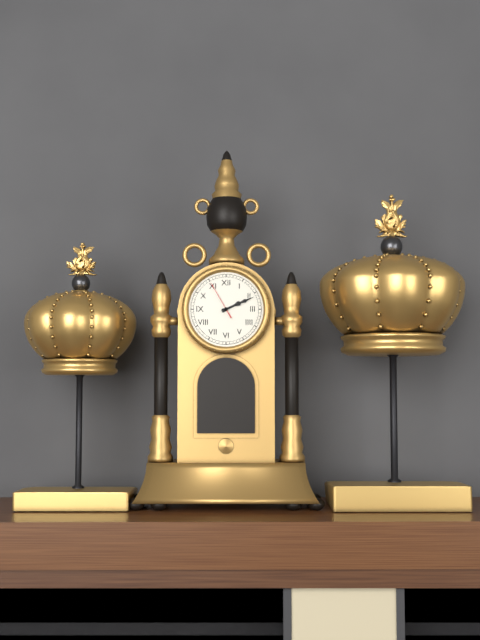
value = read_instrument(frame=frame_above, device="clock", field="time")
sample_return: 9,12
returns 2,11
